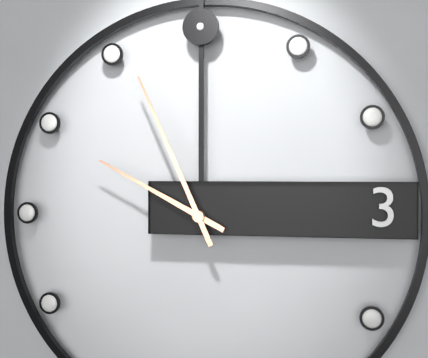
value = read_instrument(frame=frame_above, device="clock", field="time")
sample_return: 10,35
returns 9,56
